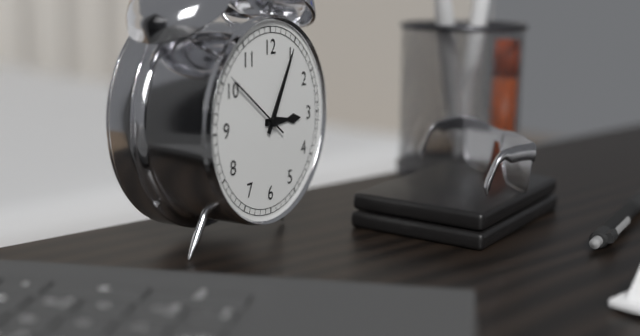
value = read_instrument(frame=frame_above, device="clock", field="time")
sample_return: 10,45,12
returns 3,05,51
